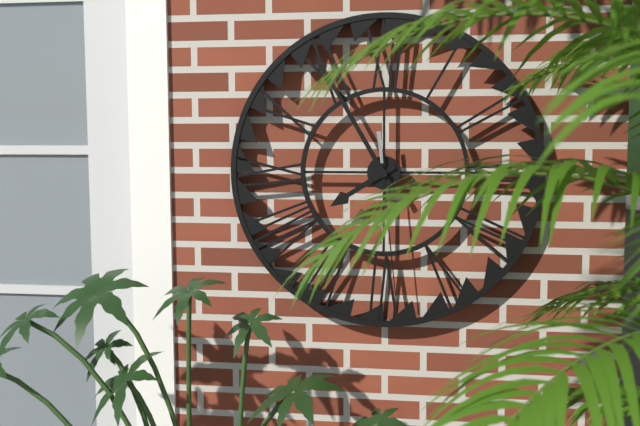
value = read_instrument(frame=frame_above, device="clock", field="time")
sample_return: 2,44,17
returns 7,55,29
